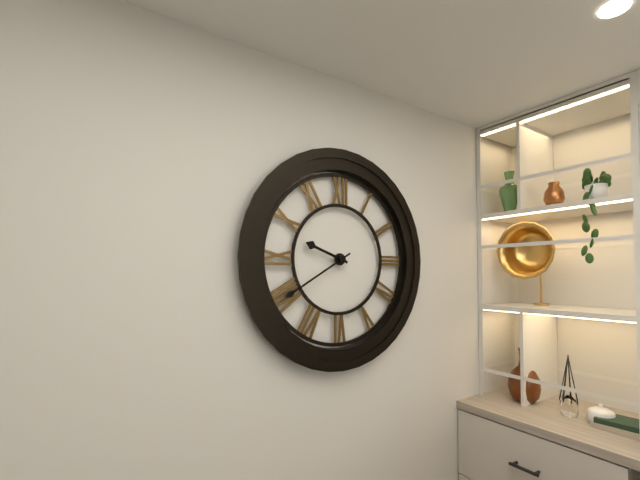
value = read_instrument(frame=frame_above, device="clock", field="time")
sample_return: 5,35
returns 9,40
